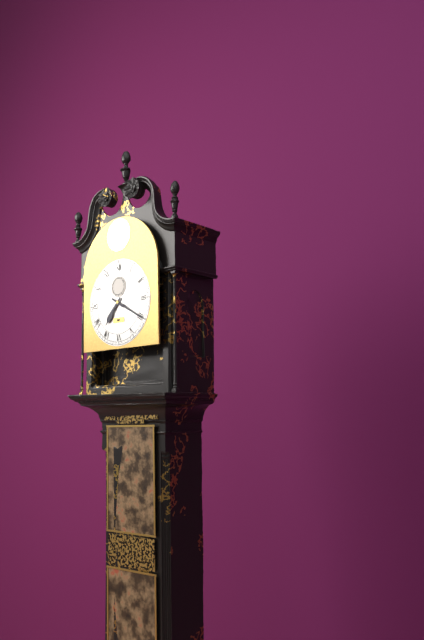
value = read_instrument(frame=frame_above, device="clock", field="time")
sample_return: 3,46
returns 7,20
